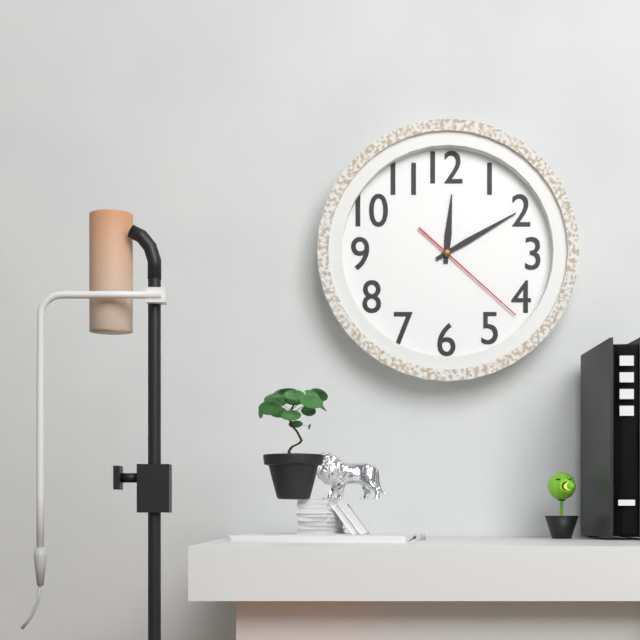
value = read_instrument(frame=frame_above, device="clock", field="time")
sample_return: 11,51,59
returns 12,10,22
